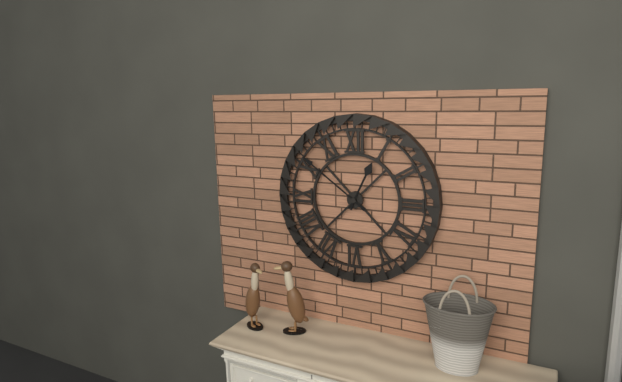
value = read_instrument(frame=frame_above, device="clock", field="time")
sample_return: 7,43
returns 12,51
